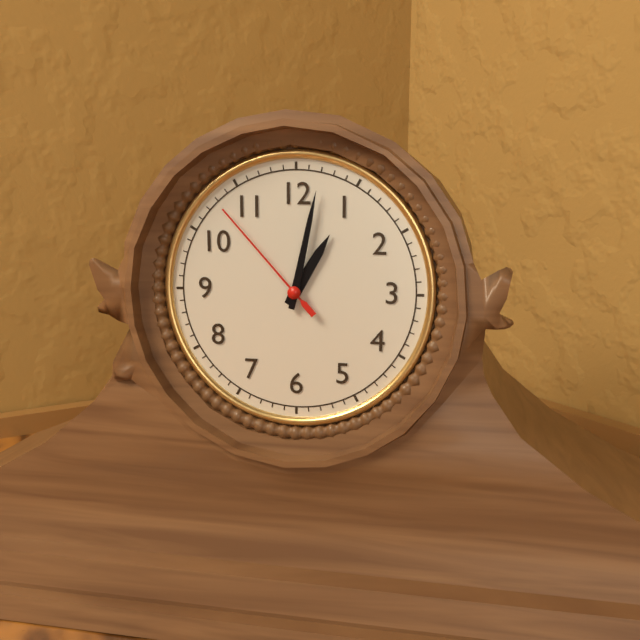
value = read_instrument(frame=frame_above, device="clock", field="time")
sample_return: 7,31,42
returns 1,02,53
